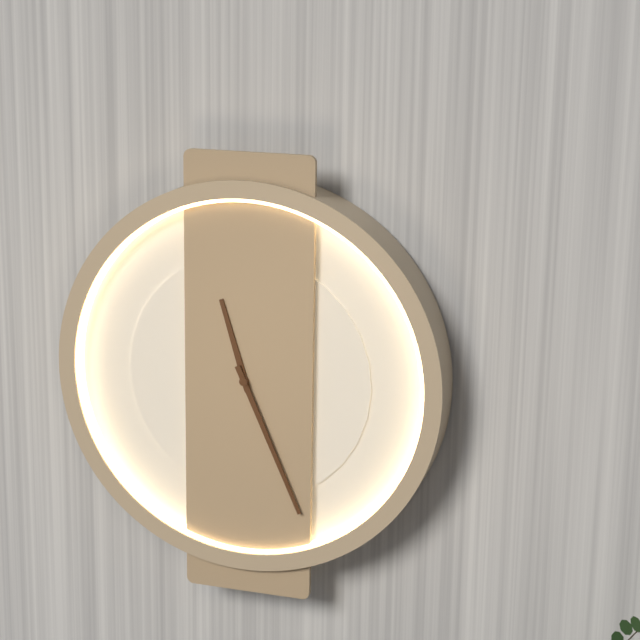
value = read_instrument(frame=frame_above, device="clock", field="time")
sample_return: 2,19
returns 11,26
